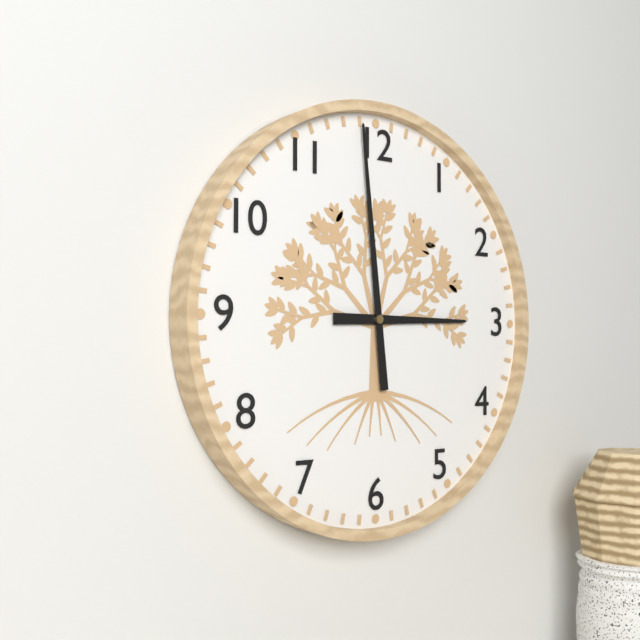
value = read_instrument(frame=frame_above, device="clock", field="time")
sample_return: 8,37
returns 2,59
